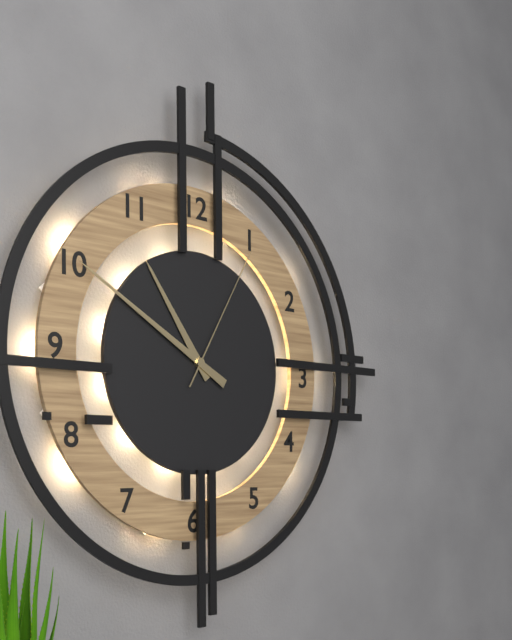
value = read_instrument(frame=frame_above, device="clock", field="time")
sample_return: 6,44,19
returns 10,50,05
